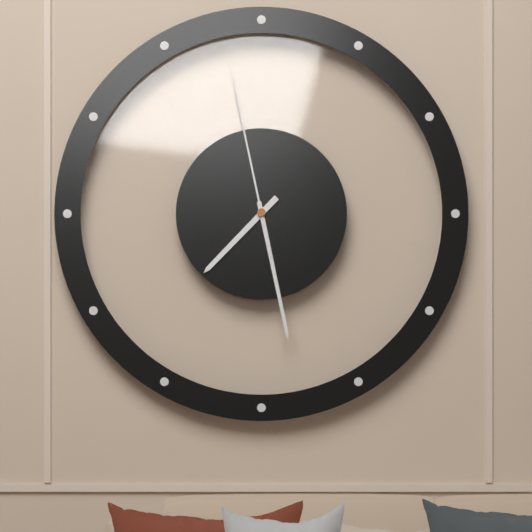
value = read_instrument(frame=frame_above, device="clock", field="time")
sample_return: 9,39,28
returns 7,28,58
